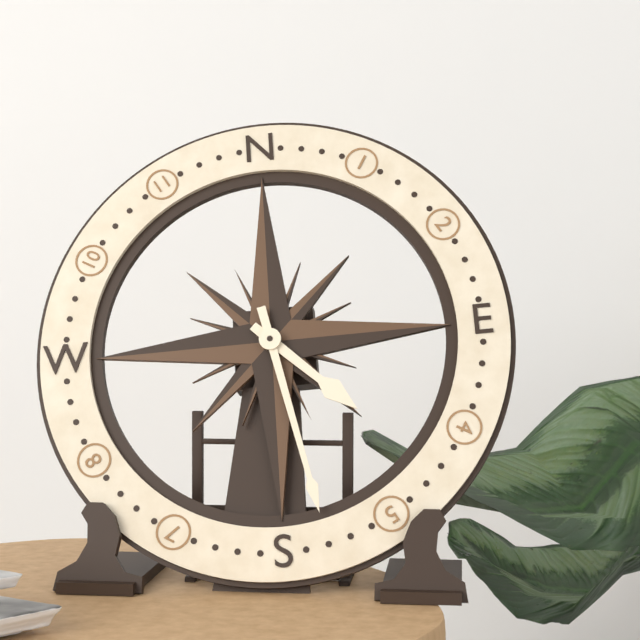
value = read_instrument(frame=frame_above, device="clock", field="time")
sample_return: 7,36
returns 4,28
